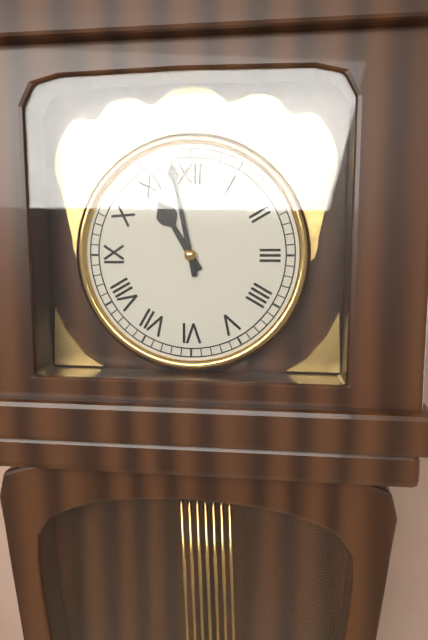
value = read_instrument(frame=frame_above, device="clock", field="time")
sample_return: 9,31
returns 10,58
